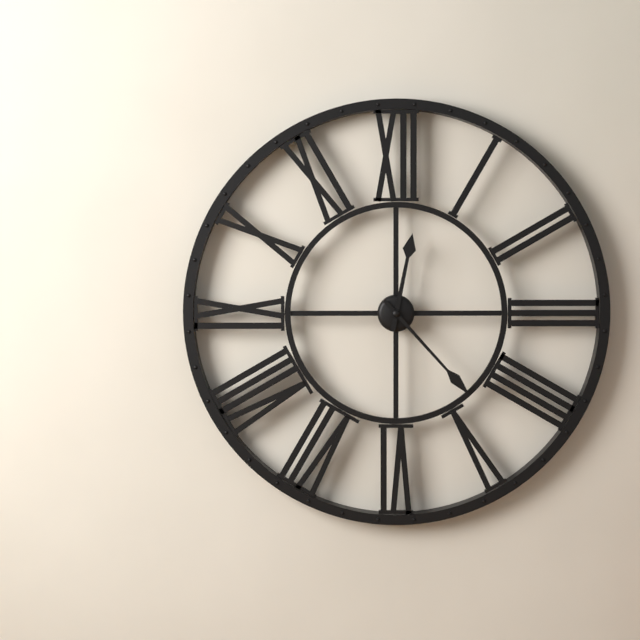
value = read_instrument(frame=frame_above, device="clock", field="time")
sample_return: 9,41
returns 12,23
